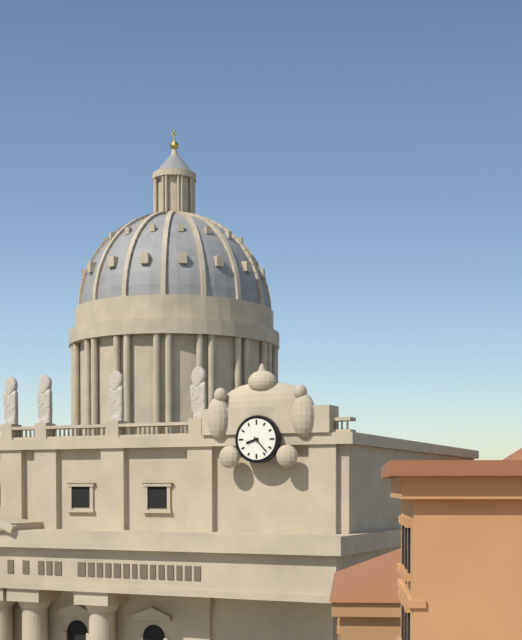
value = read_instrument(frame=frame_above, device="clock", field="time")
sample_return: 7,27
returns 8,23
